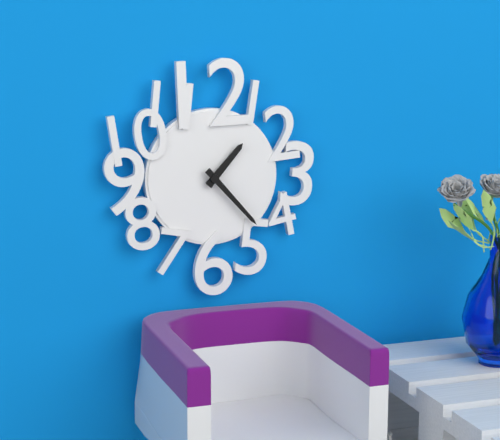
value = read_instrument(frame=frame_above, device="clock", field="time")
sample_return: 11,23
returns 1,23
